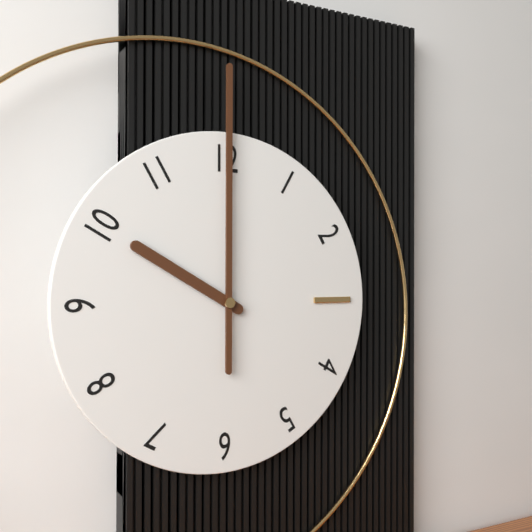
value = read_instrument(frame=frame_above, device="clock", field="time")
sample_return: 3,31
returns 10,00
